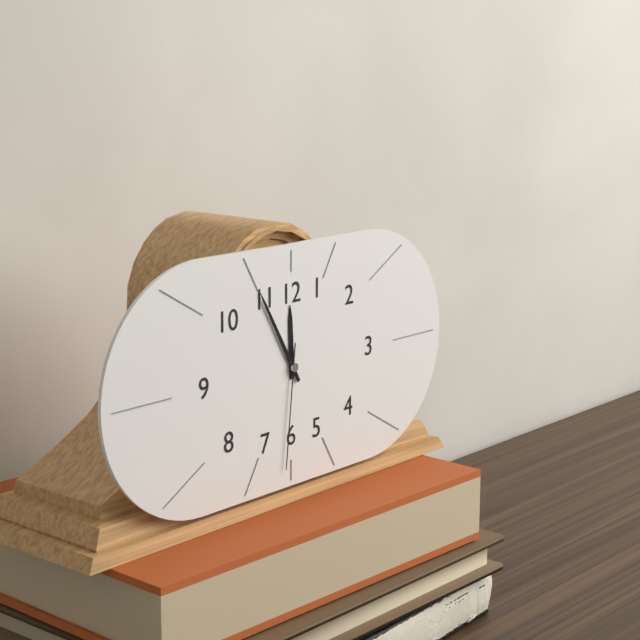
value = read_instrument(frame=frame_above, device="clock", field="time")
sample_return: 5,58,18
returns 11,55,31
